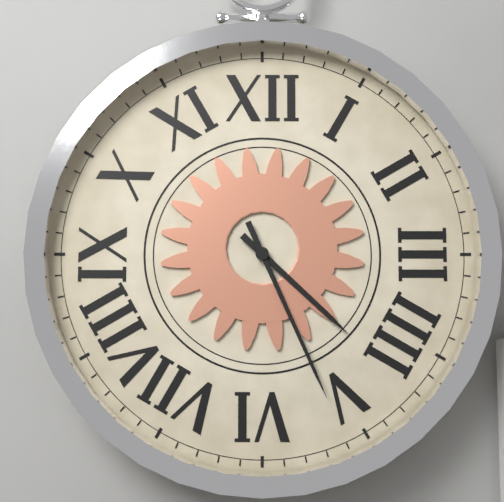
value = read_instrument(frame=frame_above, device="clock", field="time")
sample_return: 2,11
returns 4,26
